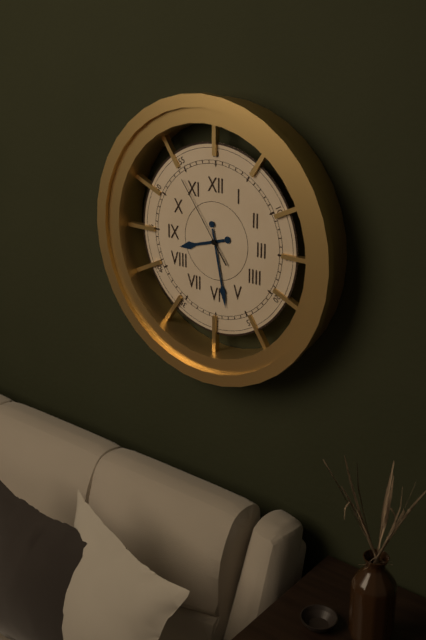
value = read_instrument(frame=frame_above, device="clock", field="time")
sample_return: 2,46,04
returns 8,28,54
